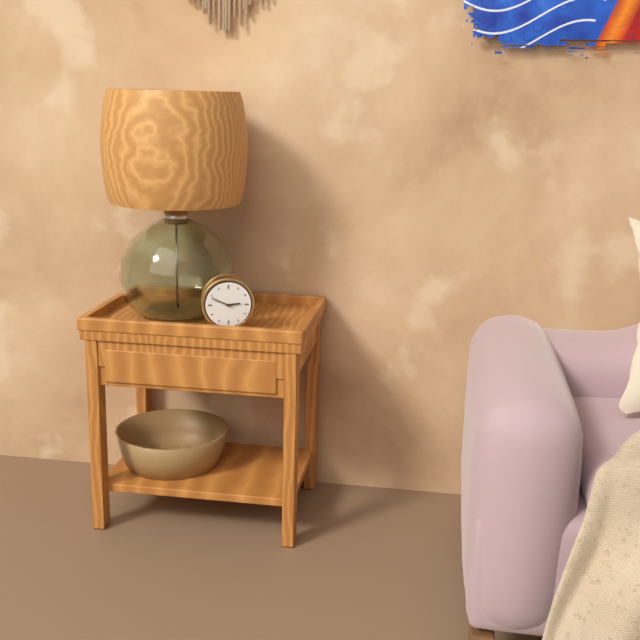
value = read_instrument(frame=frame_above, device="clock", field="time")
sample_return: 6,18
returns 2,49
